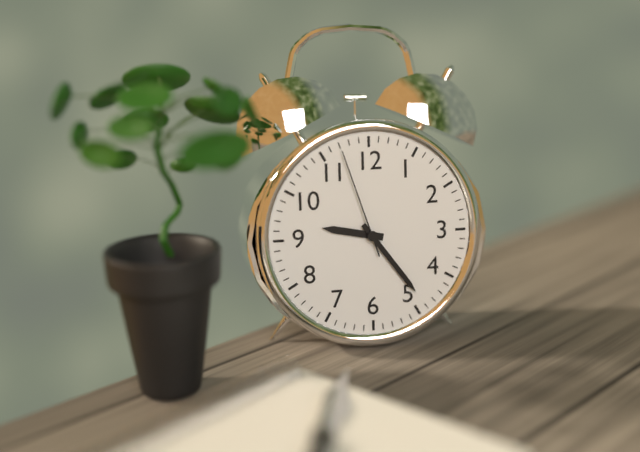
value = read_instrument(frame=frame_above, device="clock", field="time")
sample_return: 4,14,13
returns 9,24,57
